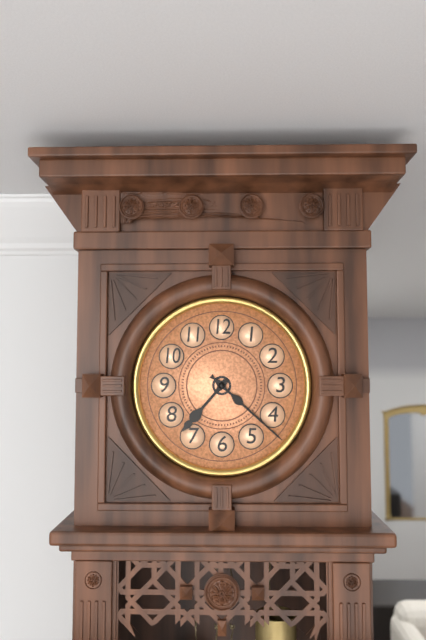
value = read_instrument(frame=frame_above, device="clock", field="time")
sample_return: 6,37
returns 7,22
